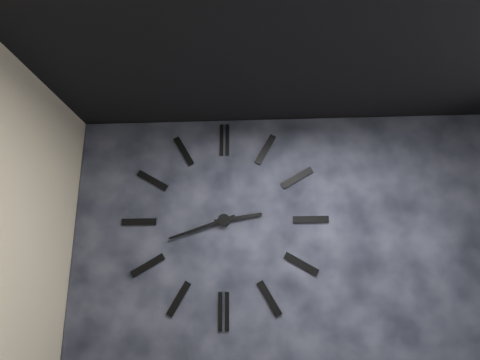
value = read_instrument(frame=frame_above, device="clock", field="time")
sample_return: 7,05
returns 2,42
